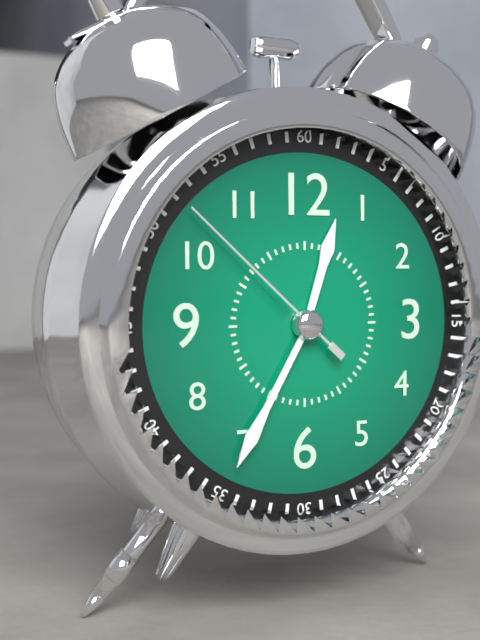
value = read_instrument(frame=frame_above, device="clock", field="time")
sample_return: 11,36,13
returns 12,35,52
